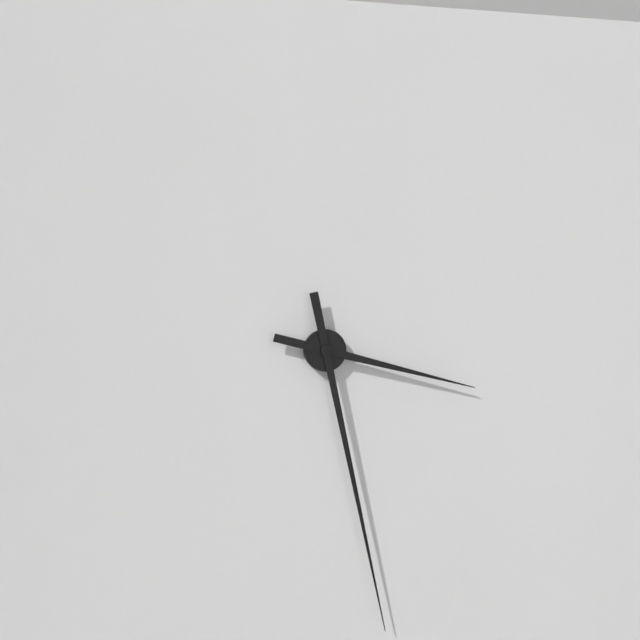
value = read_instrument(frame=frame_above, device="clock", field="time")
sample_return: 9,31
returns 3,28
